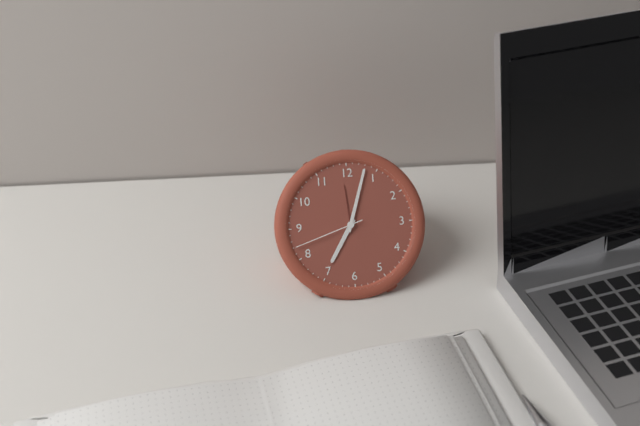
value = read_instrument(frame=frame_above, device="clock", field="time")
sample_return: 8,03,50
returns 7,03,42
